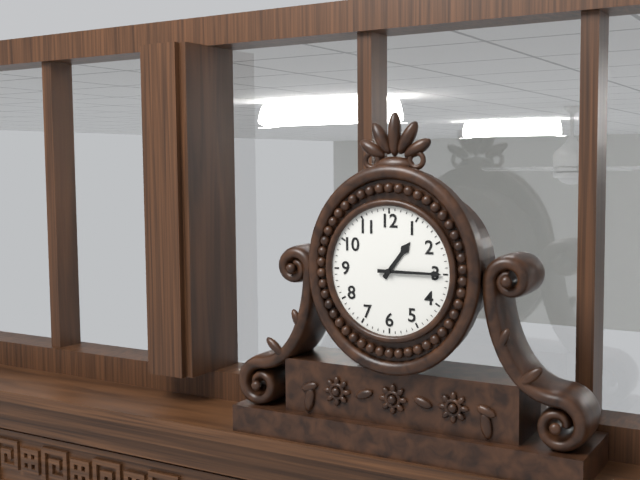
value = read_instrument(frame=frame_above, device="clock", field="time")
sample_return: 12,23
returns 1,15
